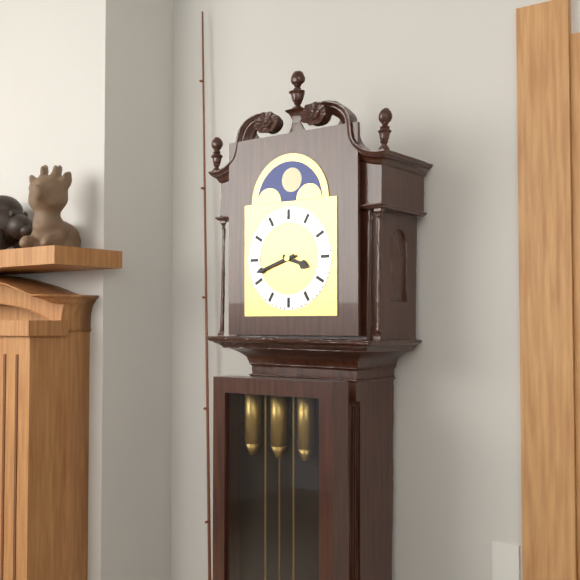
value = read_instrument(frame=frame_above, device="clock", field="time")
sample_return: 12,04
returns 3,42
